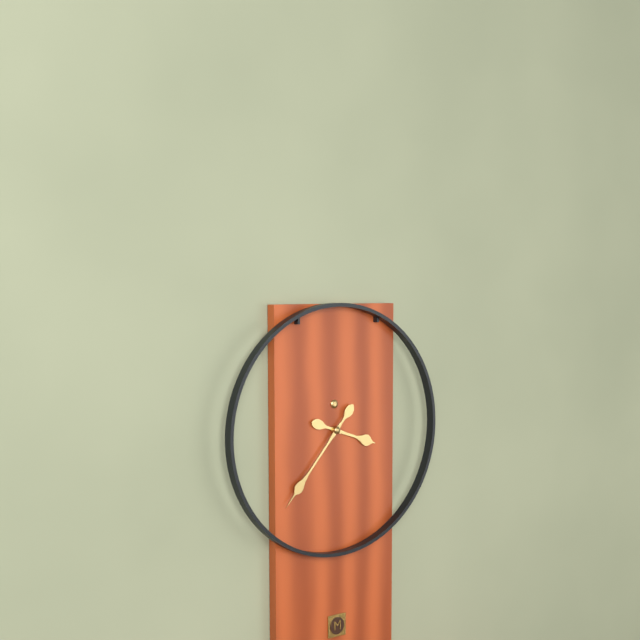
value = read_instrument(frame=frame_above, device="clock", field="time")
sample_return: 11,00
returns 3,37
